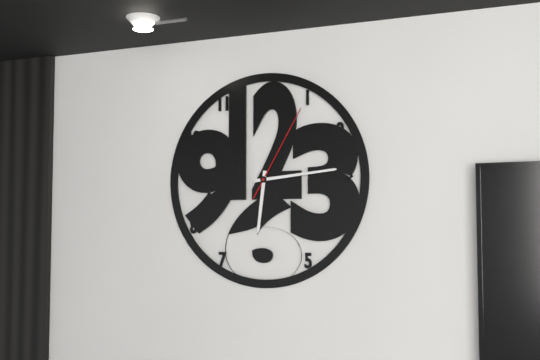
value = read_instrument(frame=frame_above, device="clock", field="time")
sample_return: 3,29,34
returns 6,14,05
